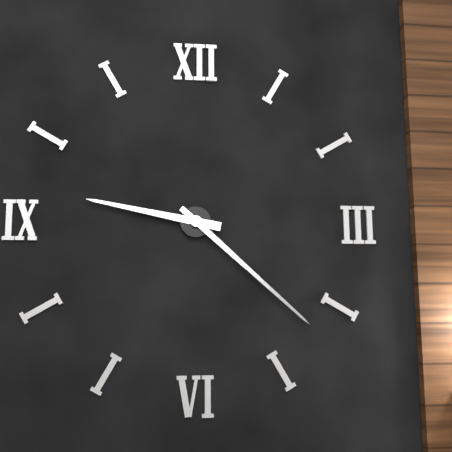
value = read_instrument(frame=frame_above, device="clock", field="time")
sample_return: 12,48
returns 9,22
